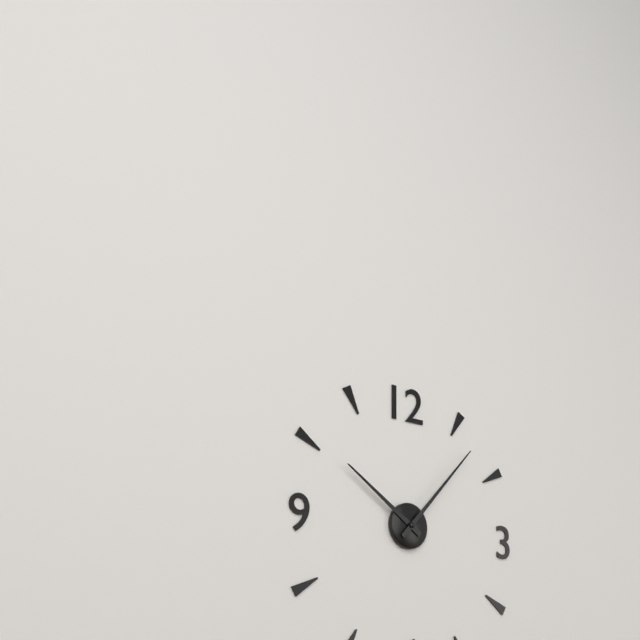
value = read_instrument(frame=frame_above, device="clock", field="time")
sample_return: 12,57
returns 10,07
